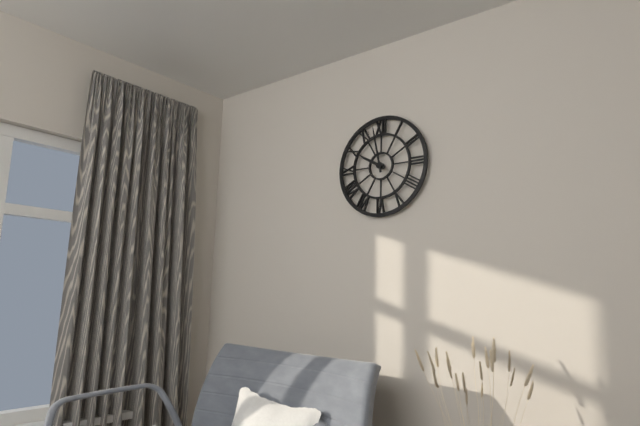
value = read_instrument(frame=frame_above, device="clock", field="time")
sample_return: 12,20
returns 9,58
